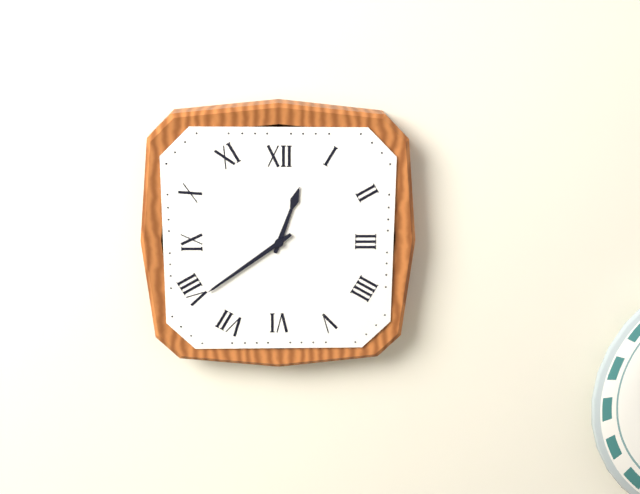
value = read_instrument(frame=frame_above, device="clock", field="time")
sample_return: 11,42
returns 12,39
